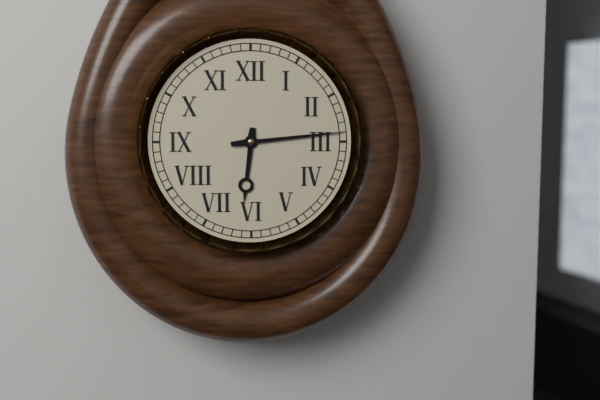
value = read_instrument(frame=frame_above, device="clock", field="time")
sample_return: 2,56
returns 6,14
